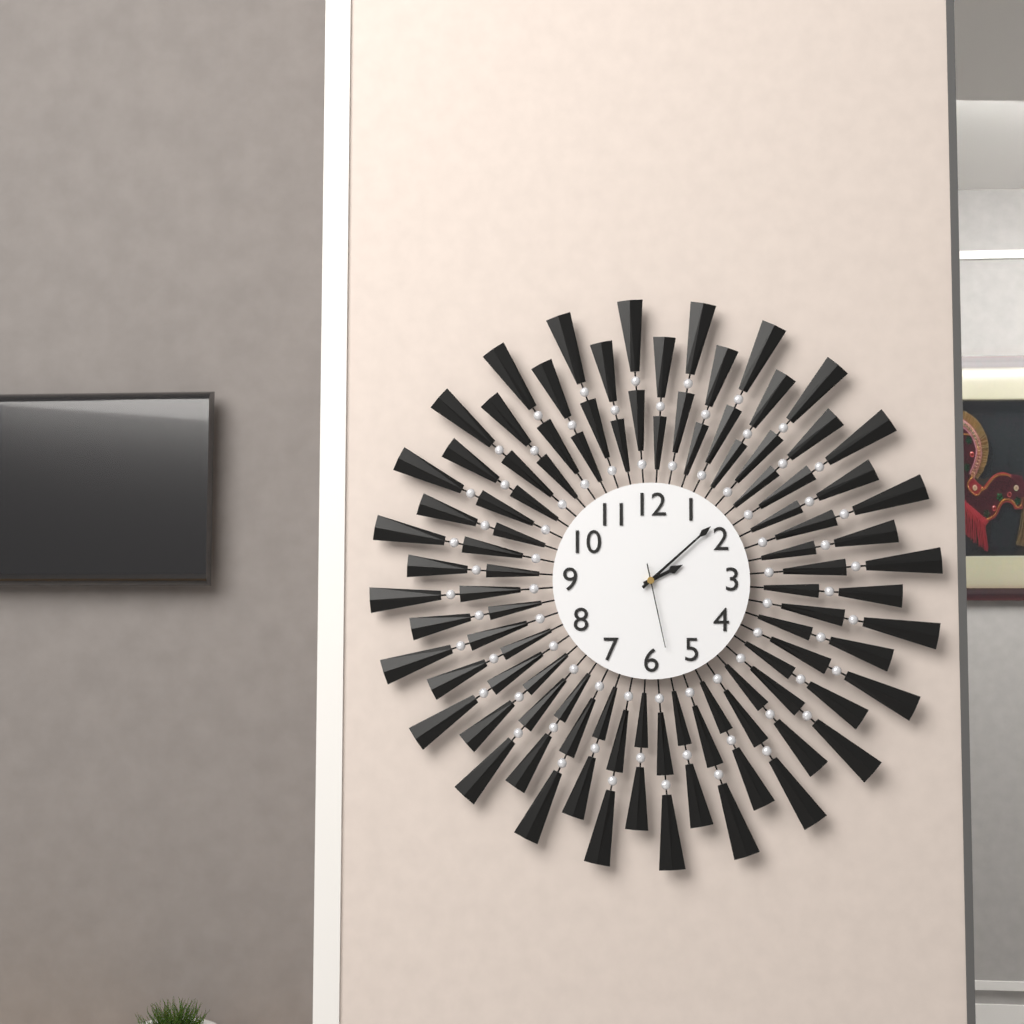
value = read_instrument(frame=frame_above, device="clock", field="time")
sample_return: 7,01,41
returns 2,08,28
